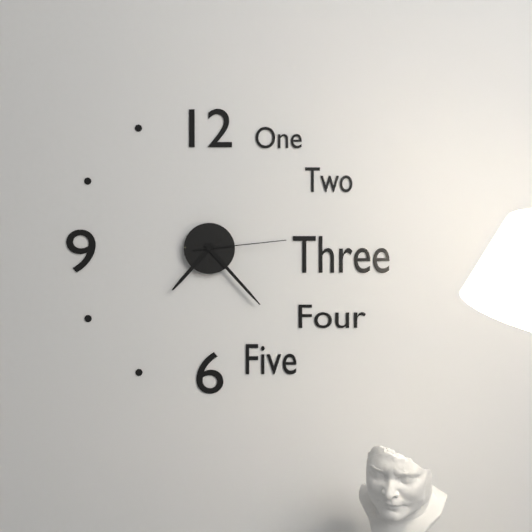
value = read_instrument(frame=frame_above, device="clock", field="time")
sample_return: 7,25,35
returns 7,23,14
